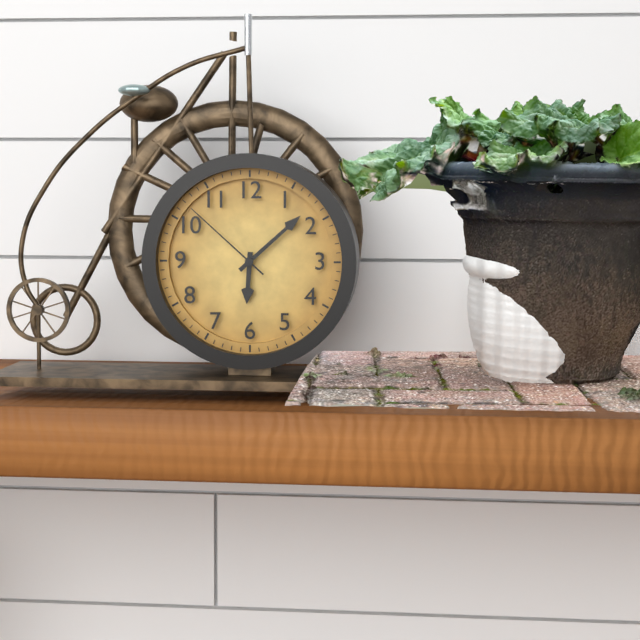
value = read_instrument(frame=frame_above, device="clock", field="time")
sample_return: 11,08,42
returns 6,08,52
